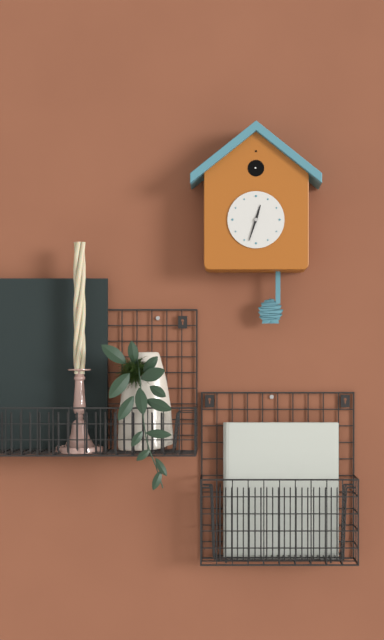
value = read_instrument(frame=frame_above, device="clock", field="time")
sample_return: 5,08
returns 12,33
